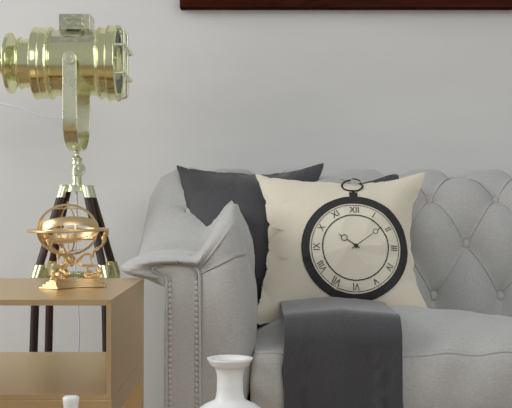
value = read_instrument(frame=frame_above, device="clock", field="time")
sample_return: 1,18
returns 10,09
